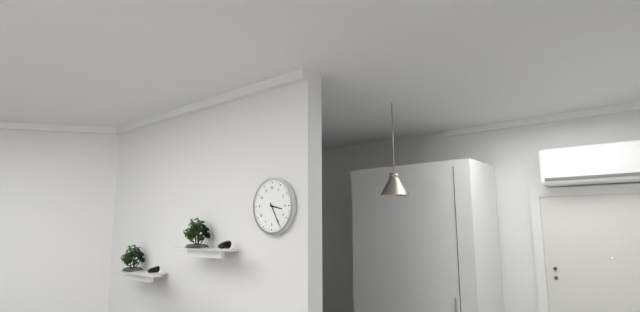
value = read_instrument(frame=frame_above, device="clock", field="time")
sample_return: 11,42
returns 3,25
